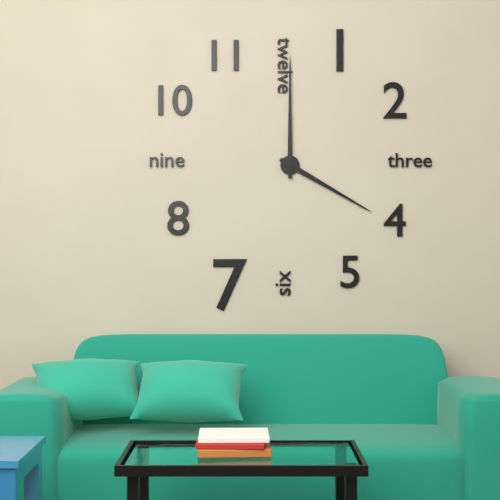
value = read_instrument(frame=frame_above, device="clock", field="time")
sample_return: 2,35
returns 4,00
